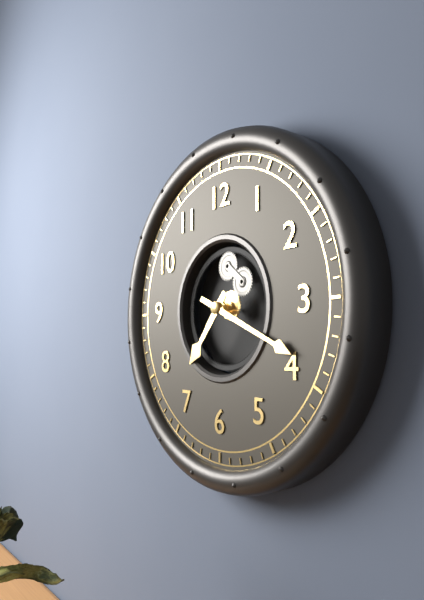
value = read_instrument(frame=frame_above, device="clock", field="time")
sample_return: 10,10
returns 7,19
